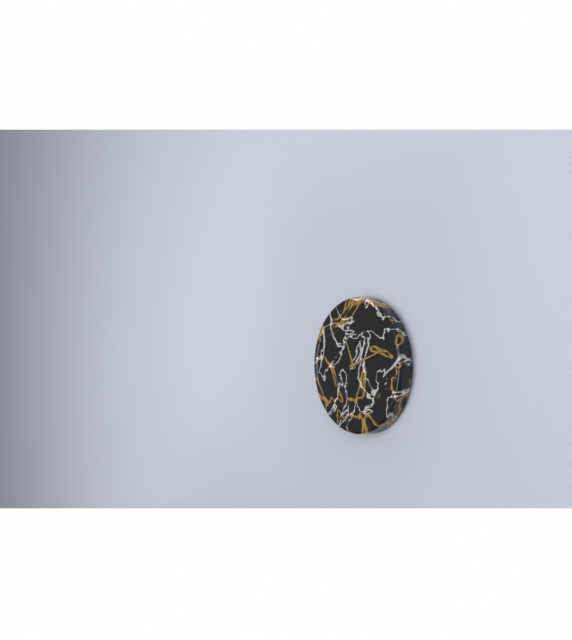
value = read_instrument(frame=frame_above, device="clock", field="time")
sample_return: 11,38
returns 11,12
